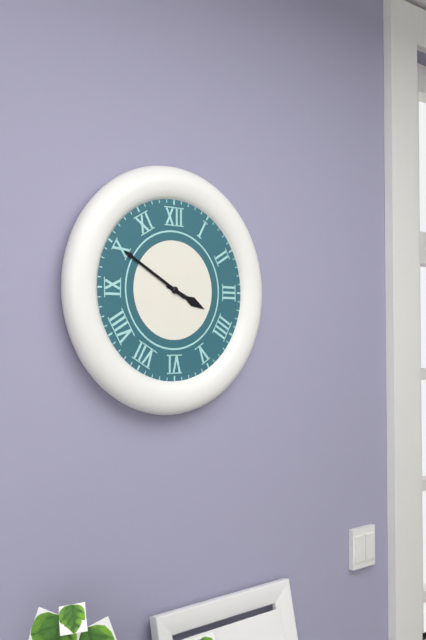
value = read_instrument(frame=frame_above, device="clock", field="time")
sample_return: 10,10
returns 3,50
